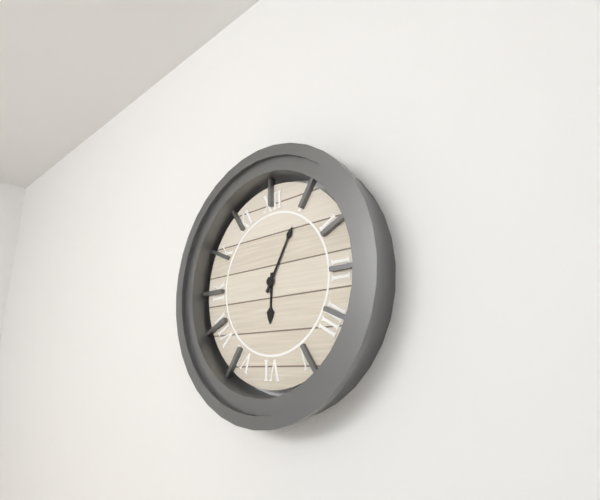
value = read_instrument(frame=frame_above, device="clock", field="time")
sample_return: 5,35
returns 6,05
